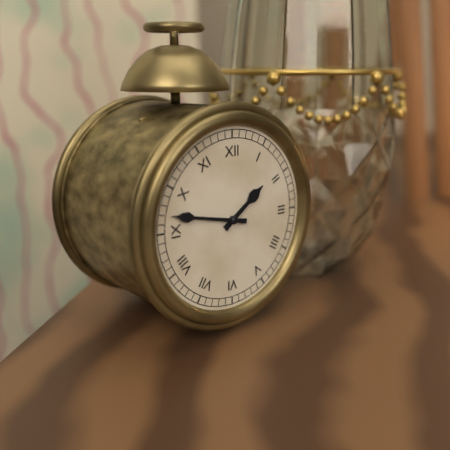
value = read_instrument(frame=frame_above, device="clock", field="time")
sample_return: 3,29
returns 1,47
